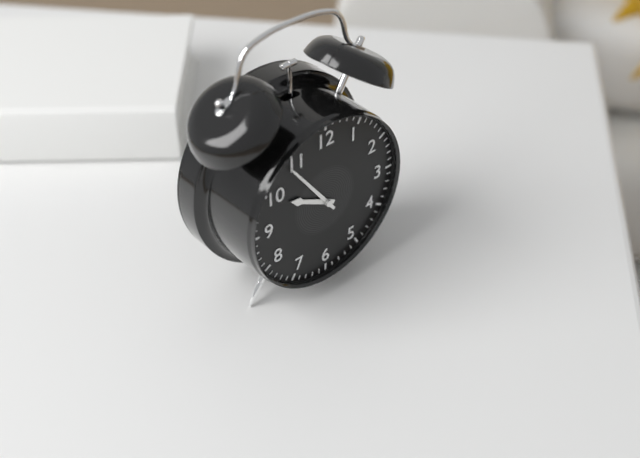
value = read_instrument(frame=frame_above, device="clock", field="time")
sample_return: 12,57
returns 9,54
